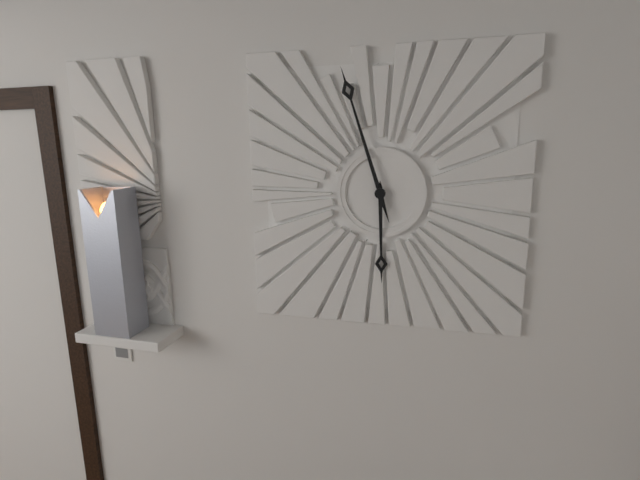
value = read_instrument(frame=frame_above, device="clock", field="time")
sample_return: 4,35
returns 5,57
